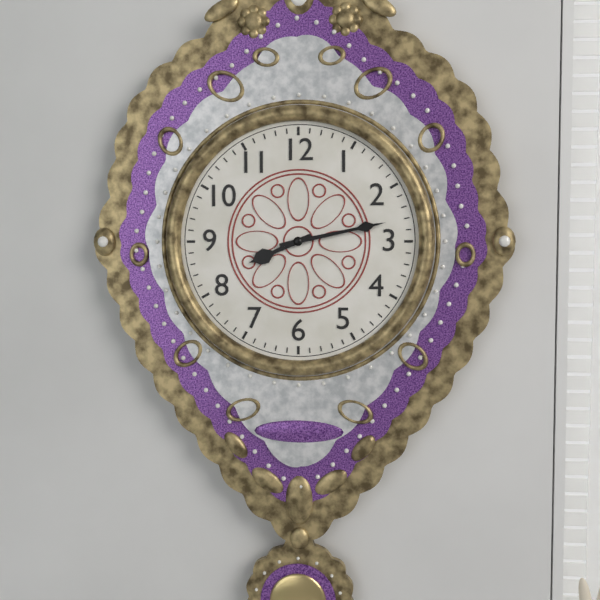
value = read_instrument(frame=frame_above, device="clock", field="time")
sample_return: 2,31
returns 8,13
